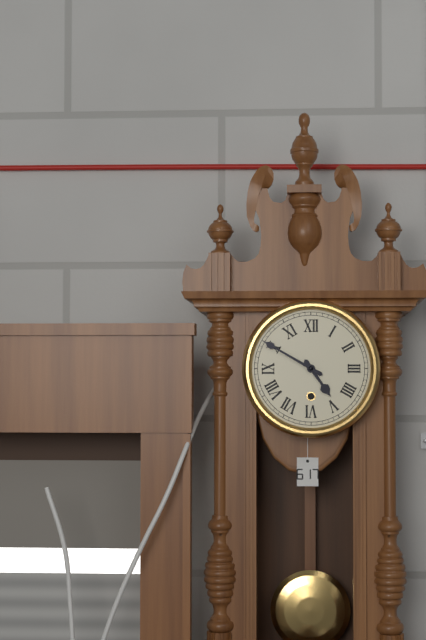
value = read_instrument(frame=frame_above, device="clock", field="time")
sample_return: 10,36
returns 4,50
